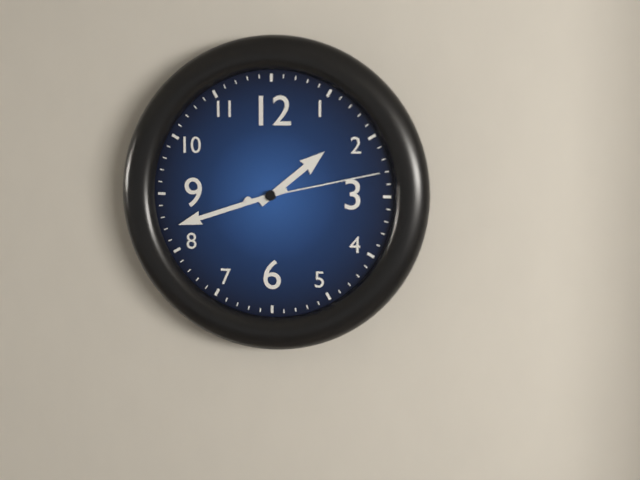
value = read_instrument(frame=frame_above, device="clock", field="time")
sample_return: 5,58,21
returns 1,42,13
